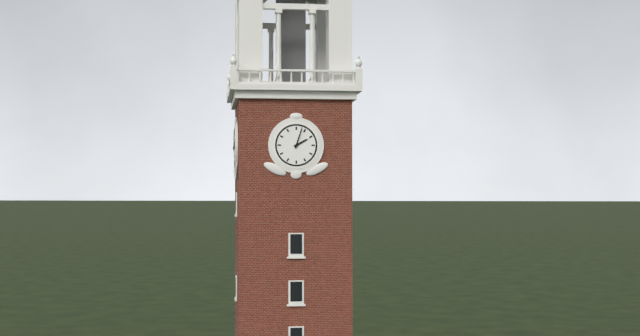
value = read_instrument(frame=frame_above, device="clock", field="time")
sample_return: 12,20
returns 2,03
